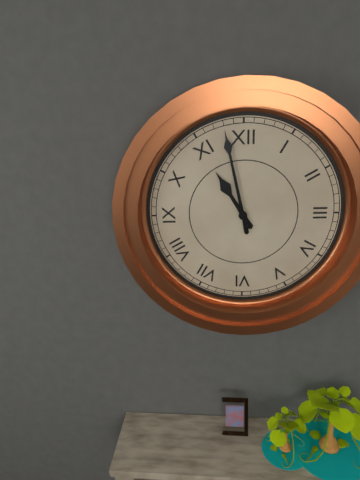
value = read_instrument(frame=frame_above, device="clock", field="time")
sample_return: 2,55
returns 10,58
